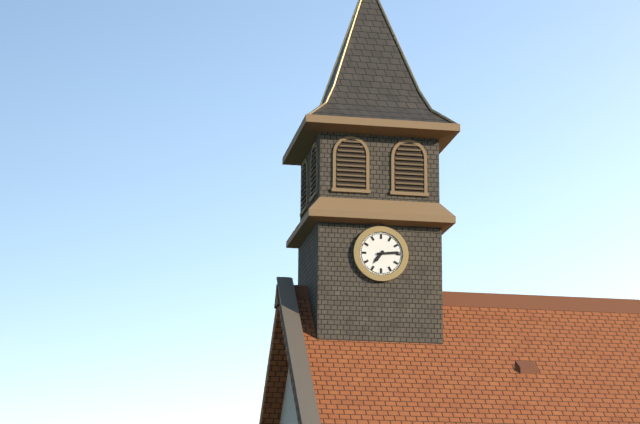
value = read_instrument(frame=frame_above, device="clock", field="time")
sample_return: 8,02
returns 7,14
